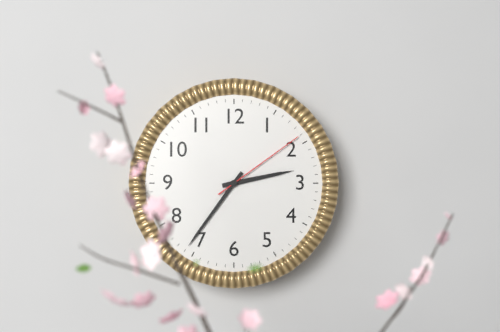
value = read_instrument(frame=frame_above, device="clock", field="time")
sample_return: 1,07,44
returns 2,36,09
